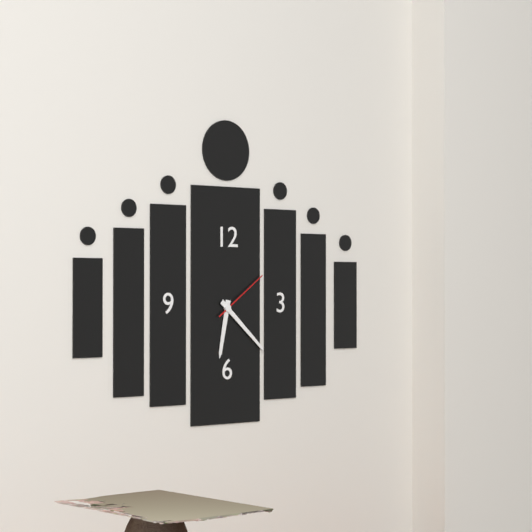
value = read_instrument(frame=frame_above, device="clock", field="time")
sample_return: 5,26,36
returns 6,22,09
